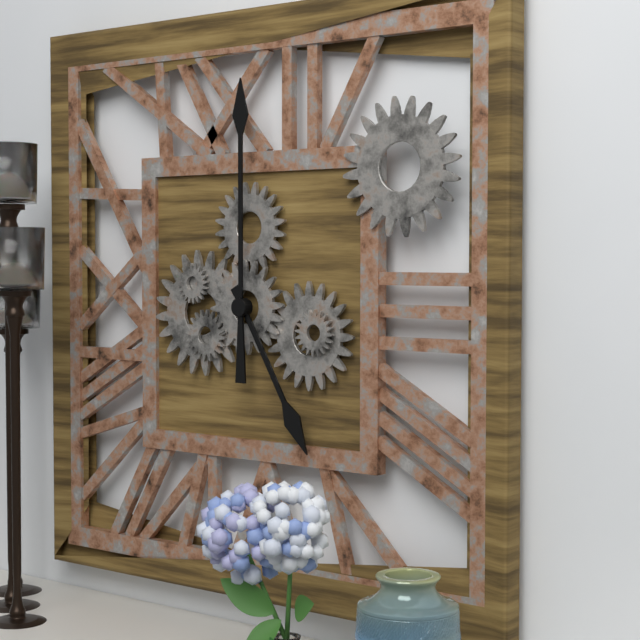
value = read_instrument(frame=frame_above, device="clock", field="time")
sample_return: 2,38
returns 5,00
